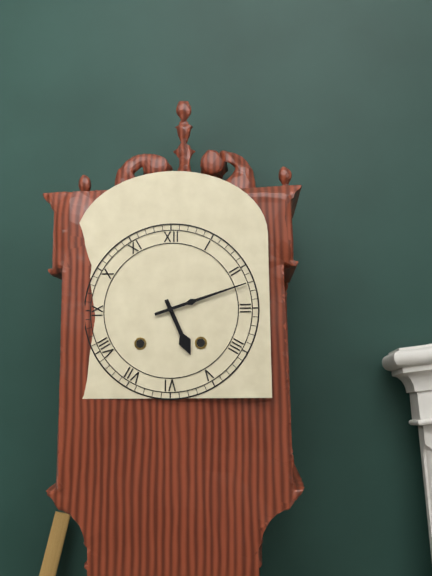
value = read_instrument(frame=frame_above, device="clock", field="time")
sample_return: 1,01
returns 5,12
